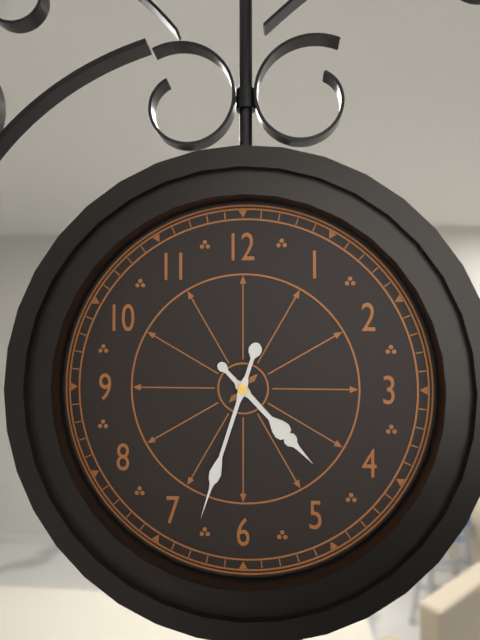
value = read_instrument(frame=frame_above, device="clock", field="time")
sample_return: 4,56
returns 4,33
